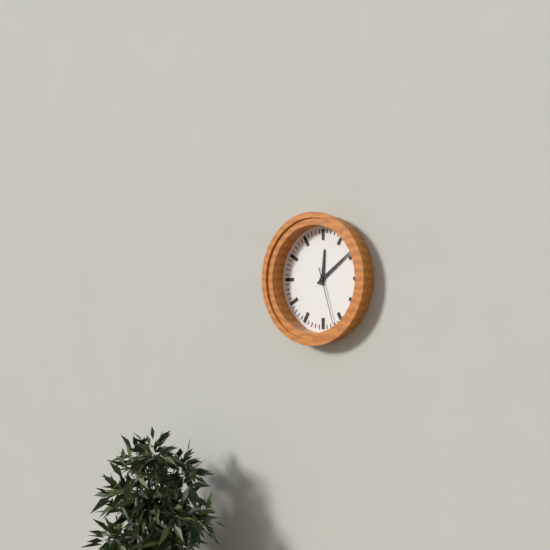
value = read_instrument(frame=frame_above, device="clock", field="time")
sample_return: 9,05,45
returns 12,09,27
